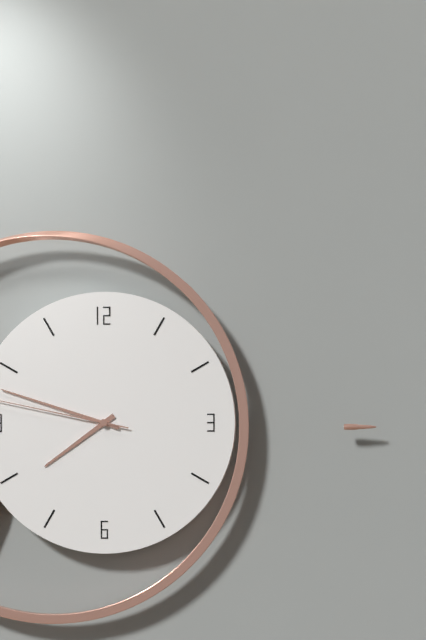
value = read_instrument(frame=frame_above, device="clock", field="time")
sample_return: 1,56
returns 7,48
